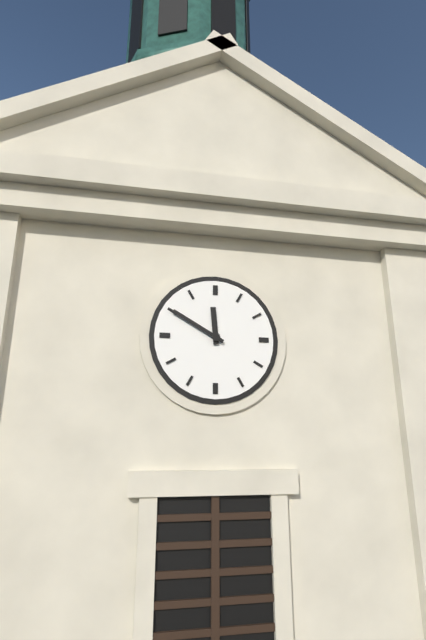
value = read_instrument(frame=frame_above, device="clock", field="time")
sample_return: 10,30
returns 11,50
